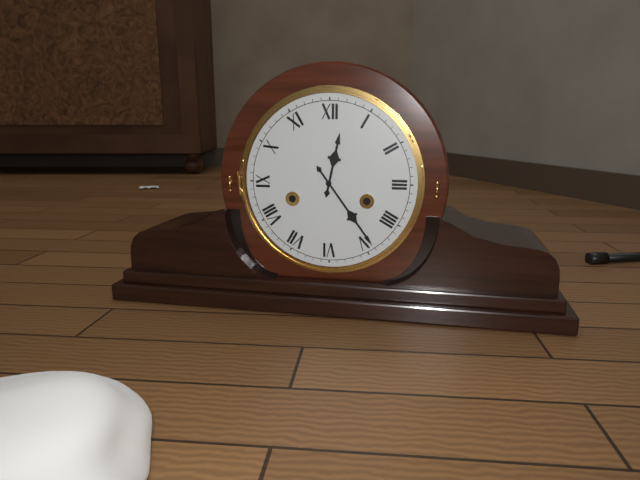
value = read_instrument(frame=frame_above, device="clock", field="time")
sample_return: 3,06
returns 12,24
